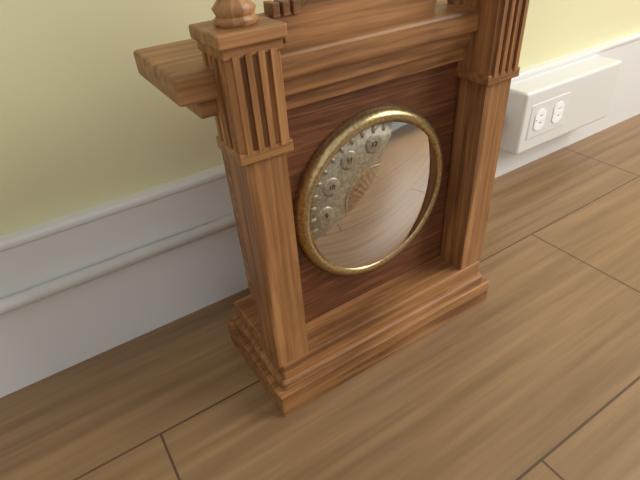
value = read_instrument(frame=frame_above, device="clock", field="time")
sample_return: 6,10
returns 5,19
